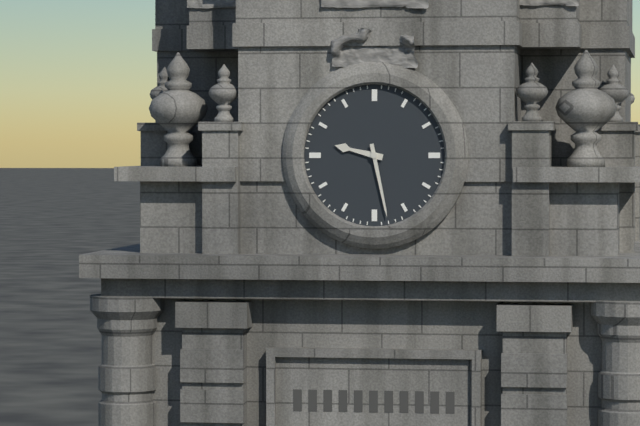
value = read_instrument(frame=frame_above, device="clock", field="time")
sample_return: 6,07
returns 9,28
